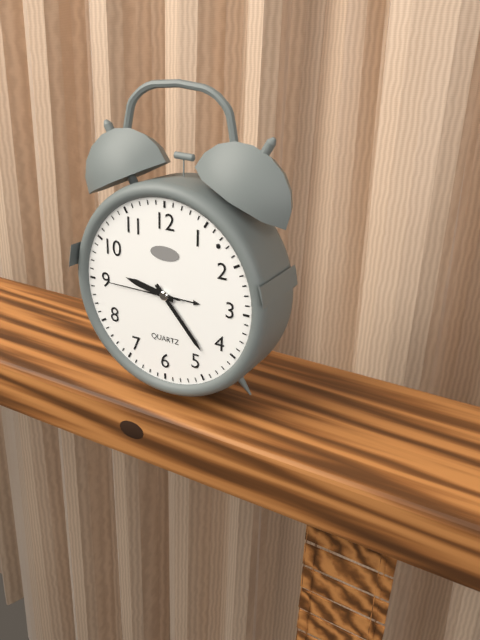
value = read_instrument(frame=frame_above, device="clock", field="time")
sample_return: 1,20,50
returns 9,23,45
